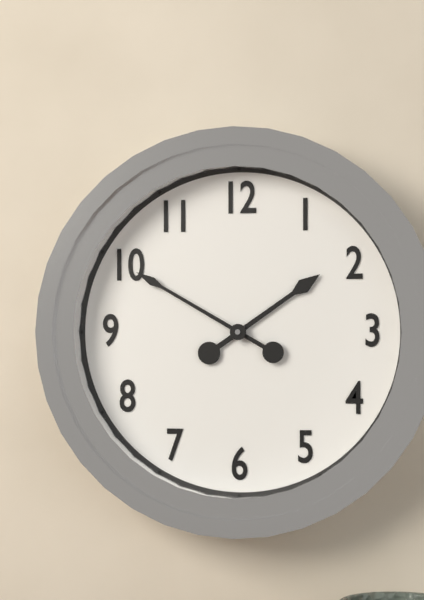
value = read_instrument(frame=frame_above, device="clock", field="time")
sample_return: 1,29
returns 1,50
